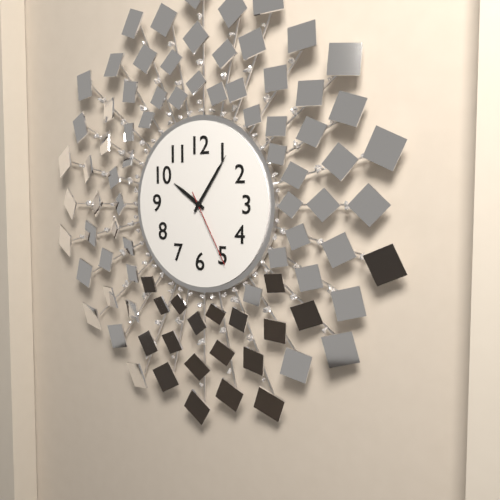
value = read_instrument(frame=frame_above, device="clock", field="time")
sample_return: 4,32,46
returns 10,06,25
